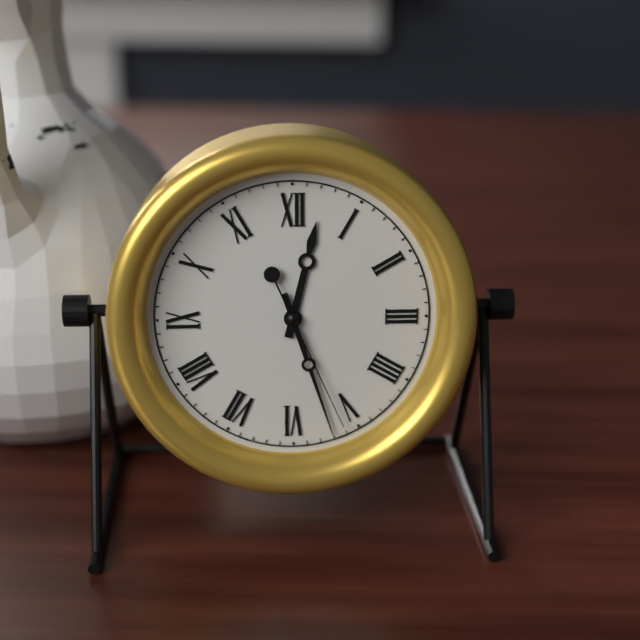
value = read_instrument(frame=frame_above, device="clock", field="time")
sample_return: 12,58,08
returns 12,27,26
